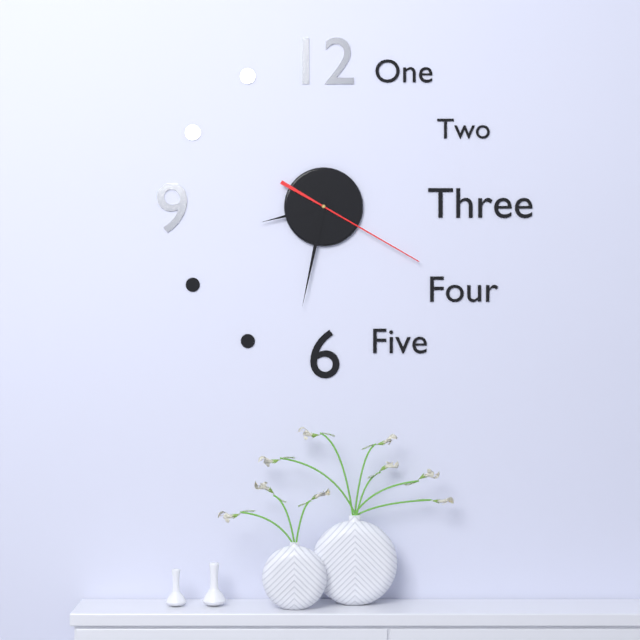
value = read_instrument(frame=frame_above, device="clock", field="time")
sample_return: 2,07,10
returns 8,32,20
